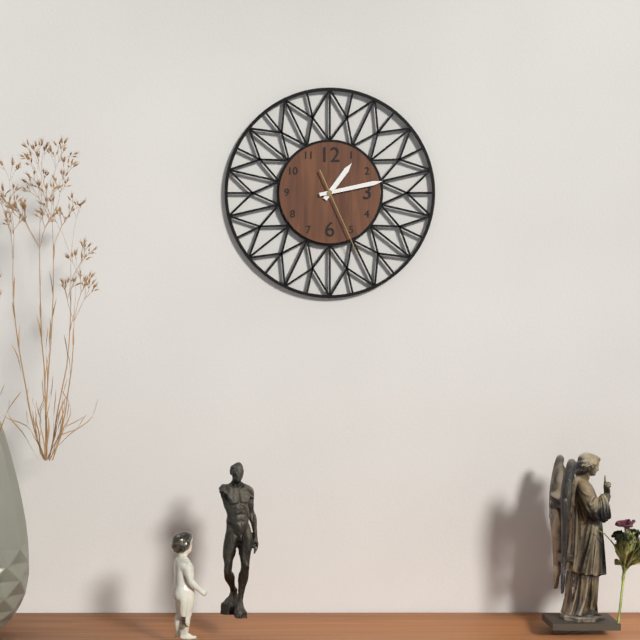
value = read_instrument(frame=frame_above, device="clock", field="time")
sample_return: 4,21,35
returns 1,13,26
